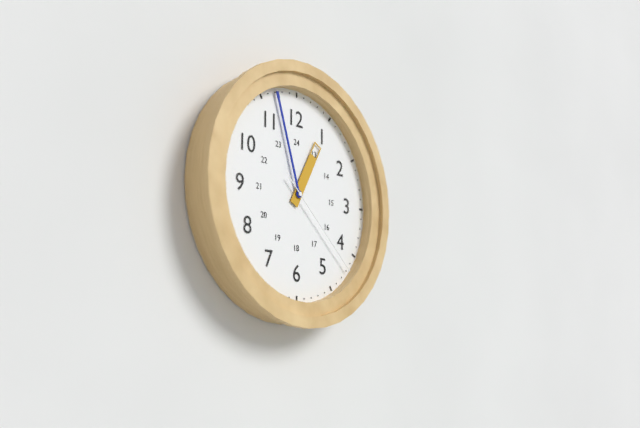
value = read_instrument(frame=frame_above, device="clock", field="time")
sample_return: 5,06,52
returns 12,57,22
